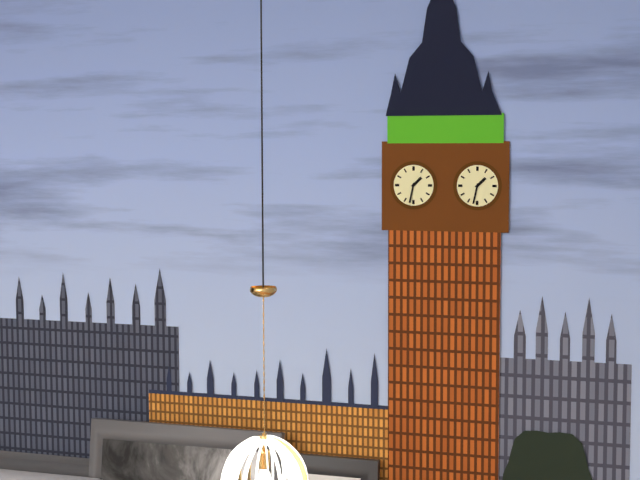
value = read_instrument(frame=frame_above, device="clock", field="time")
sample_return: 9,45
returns 1,32
